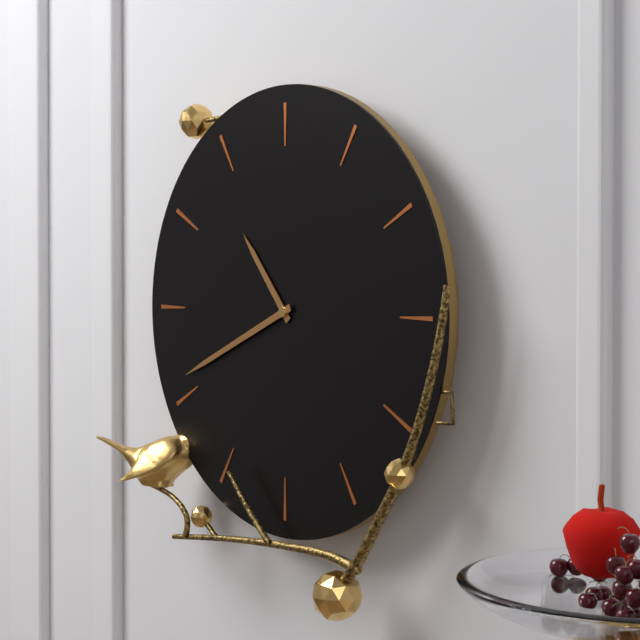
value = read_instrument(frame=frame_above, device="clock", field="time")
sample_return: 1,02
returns 10,41
